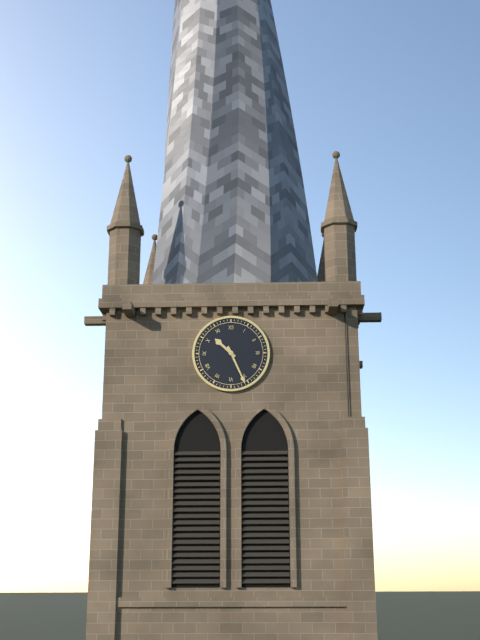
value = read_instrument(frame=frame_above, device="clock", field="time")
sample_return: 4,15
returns 10,26
